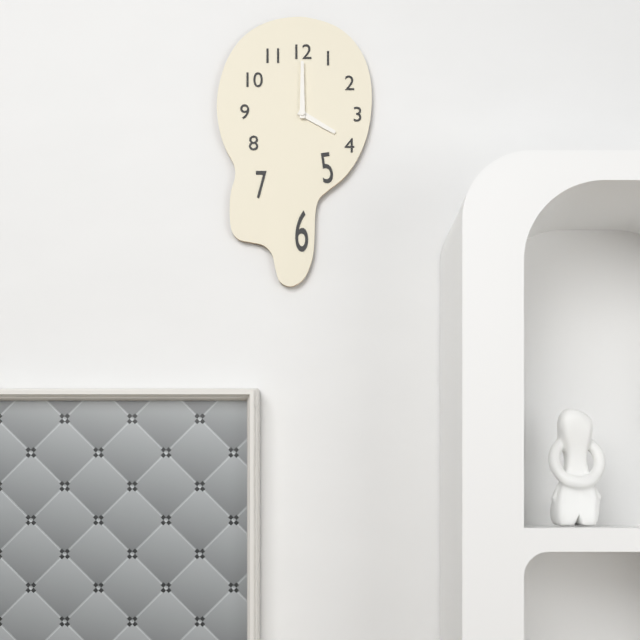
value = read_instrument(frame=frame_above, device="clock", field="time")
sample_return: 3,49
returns 4,00
